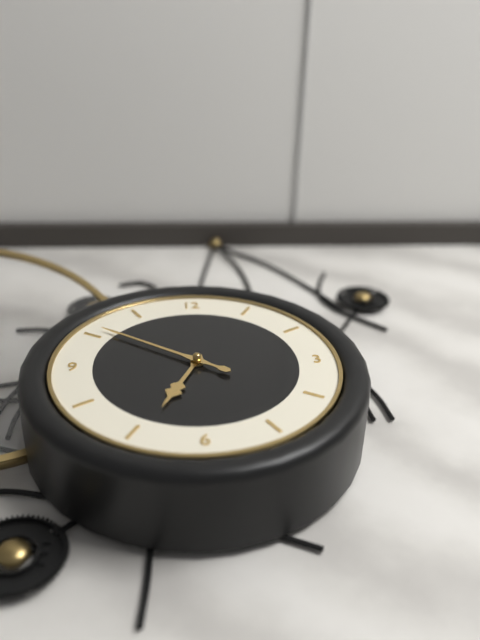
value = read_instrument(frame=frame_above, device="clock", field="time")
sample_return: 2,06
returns 6,51
